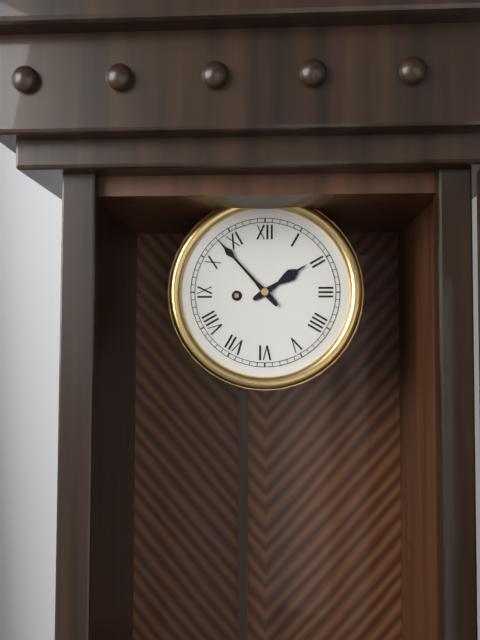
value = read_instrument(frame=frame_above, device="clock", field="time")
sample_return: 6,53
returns 1,53
